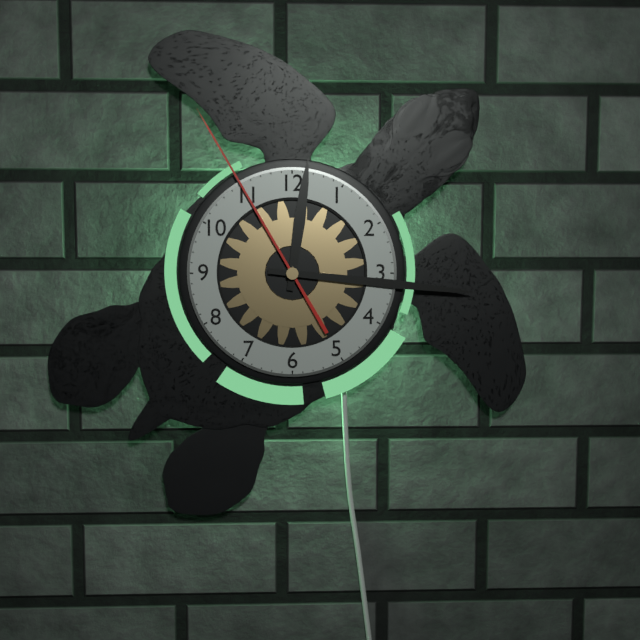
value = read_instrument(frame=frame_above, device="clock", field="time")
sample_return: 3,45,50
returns 12,16,55
